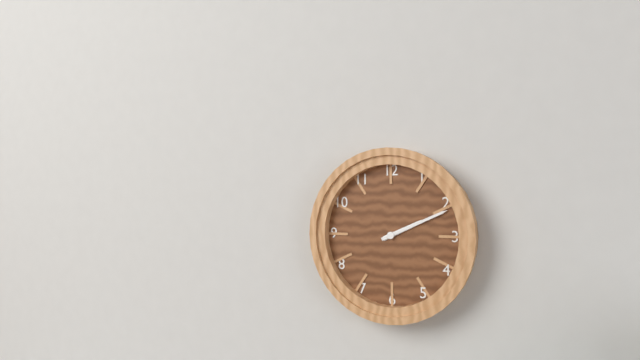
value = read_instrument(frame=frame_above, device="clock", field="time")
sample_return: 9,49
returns 2,11
